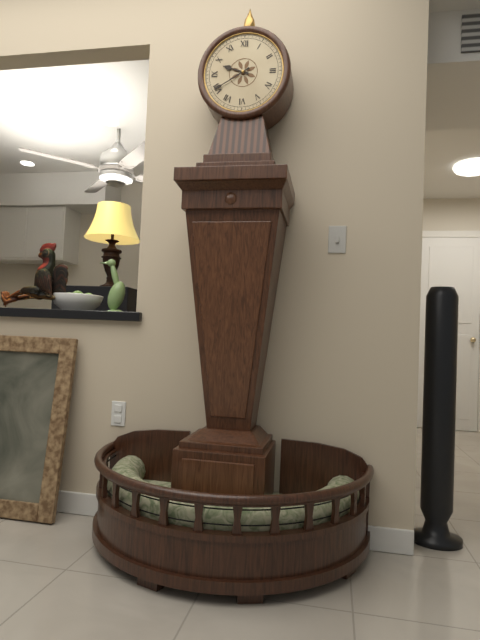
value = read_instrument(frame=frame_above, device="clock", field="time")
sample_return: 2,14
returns 9,40
